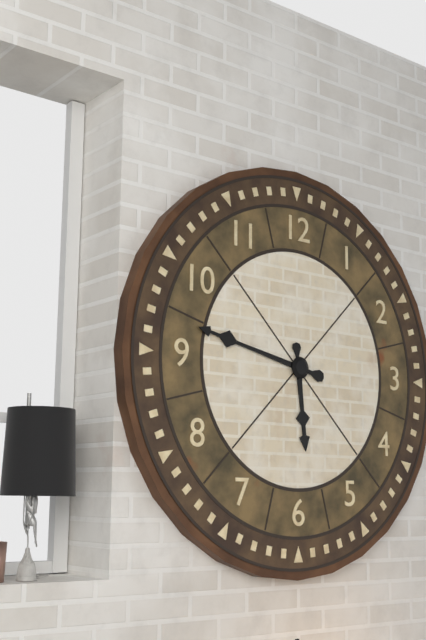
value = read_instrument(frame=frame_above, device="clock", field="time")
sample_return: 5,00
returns 5,47
